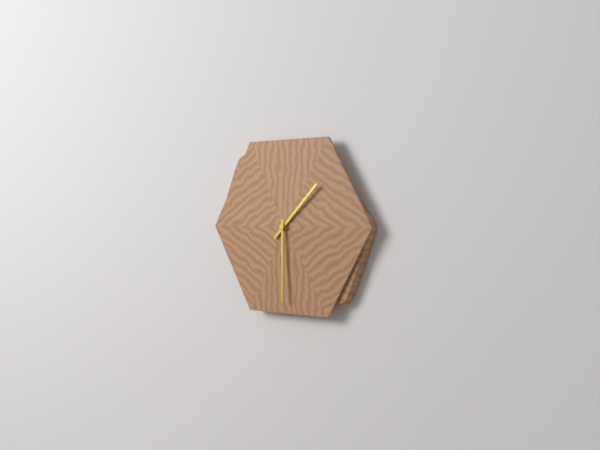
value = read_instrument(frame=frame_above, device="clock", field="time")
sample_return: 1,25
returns 1,30
